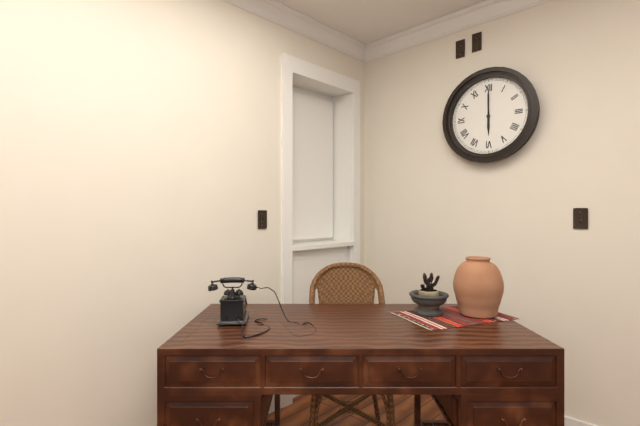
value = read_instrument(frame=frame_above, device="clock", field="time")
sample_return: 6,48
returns 6,00
